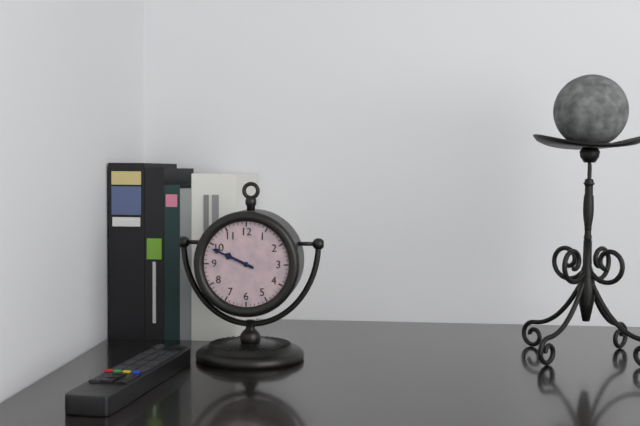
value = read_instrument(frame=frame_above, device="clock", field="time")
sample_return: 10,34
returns 9,49
